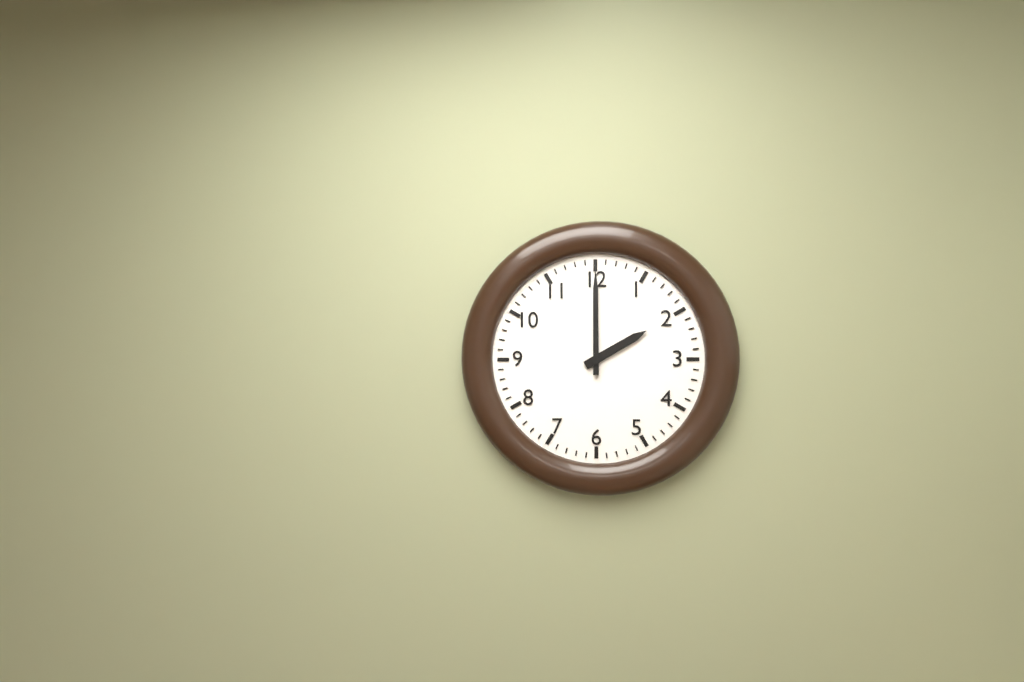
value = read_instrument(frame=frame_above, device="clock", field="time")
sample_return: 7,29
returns 2,00
